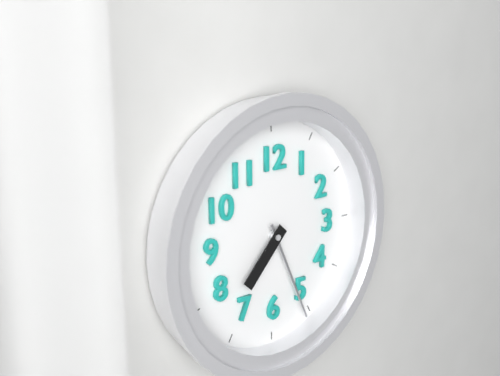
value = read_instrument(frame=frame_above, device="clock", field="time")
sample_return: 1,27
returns 7,26
